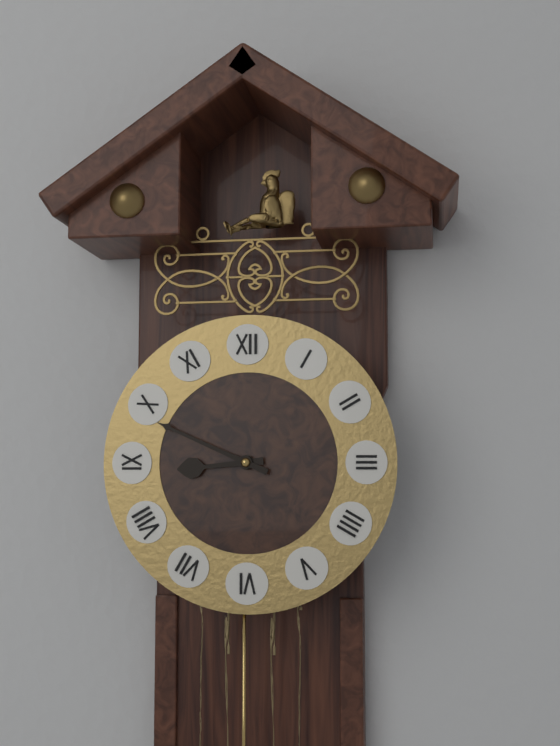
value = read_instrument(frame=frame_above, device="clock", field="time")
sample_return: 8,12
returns 8,49
